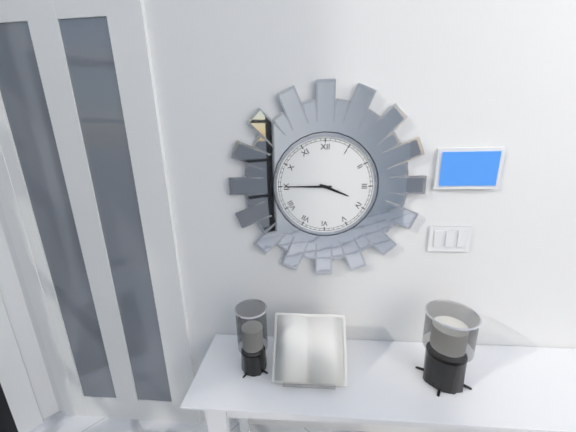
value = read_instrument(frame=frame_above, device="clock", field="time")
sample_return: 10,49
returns 3,45
